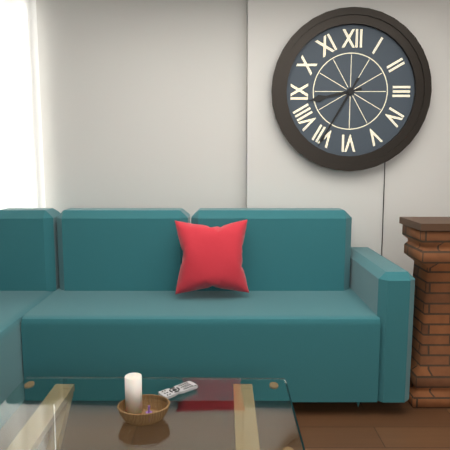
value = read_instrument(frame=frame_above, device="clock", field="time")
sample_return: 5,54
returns 8,35
